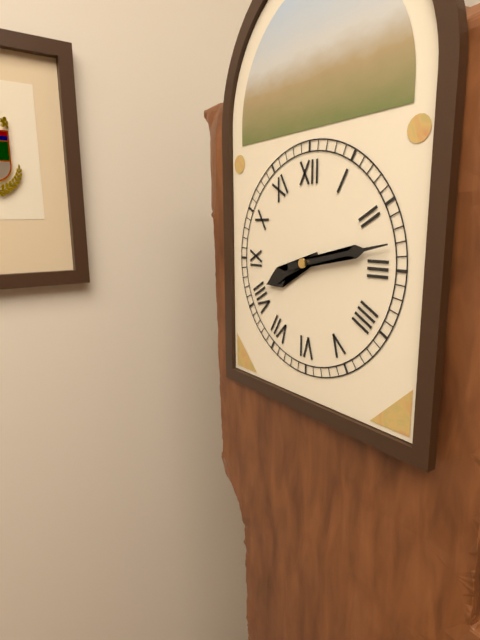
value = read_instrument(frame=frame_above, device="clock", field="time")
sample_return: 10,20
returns 8,13
